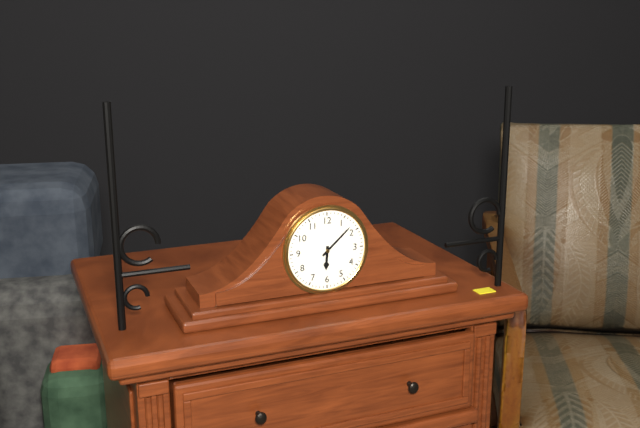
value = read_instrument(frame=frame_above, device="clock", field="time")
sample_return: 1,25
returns 6,08
